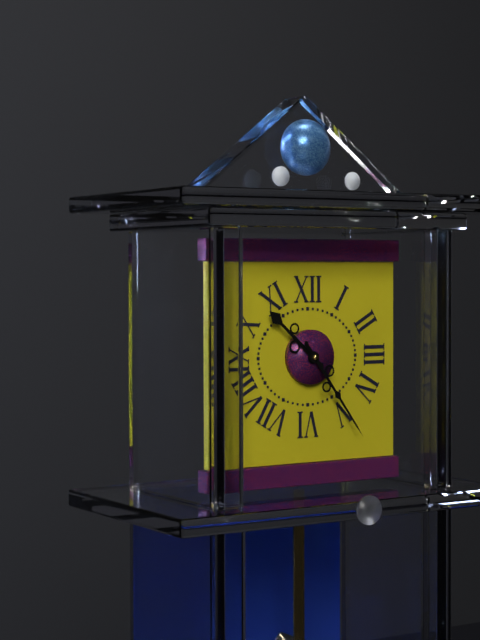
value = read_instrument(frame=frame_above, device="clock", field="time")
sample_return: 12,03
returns 10,24
